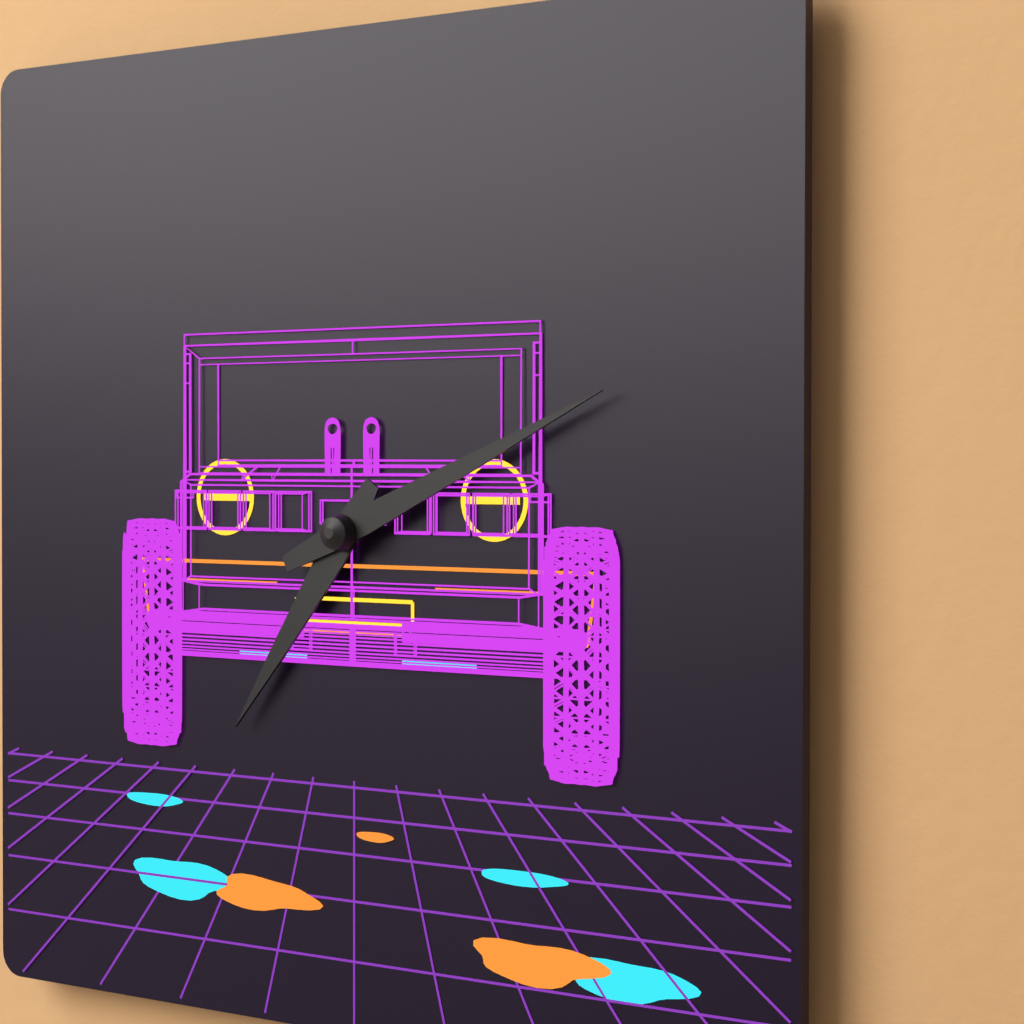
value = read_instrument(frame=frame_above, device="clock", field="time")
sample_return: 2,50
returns 7,11
